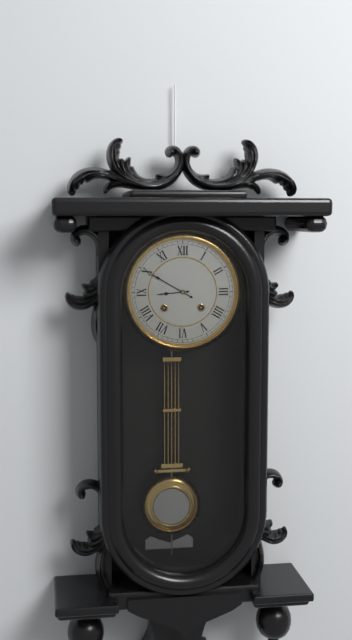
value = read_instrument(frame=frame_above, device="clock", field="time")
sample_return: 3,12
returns 8,50
